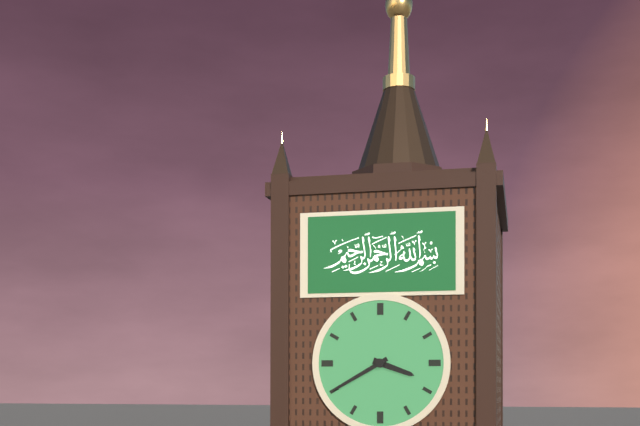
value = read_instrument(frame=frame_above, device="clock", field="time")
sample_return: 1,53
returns 3,40
